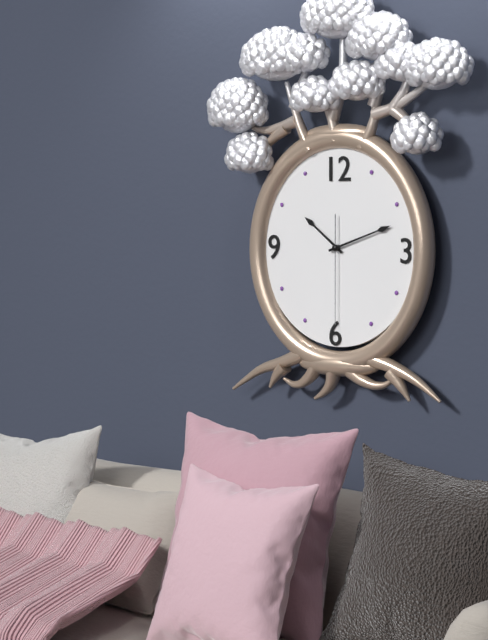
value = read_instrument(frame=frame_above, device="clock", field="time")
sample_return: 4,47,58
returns 10,12,30
